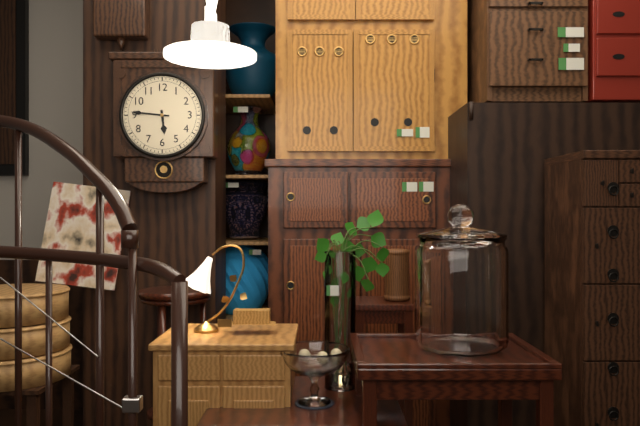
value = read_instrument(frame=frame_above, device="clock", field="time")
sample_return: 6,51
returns 5,46
